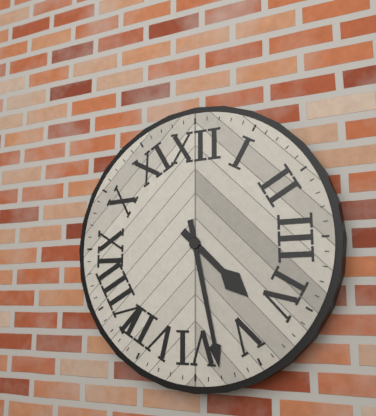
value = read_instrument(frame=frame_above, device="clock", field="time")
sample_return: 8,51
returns 4,28
